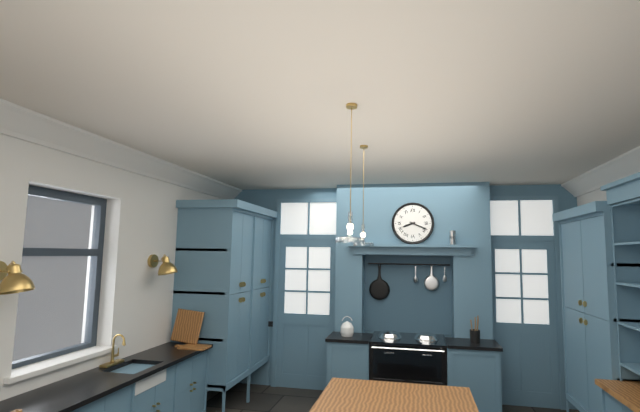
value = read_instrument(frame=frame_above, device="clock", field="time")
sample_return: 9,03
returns 8,19
